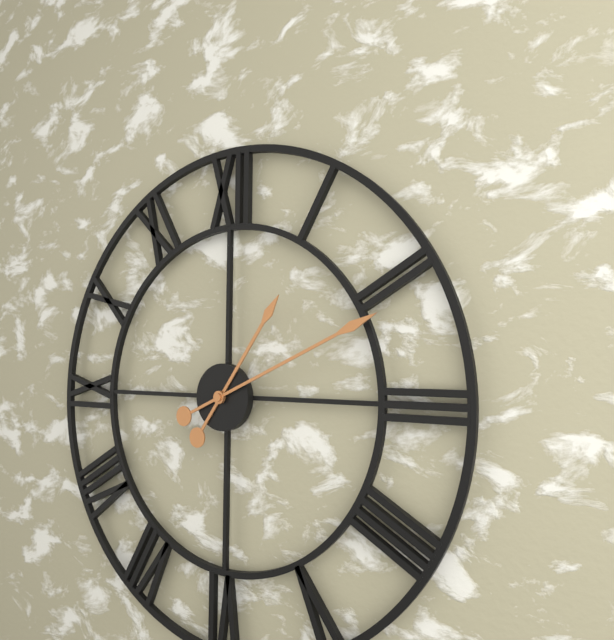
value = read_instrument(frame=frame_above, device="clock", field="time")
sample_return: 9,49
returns 1,11
